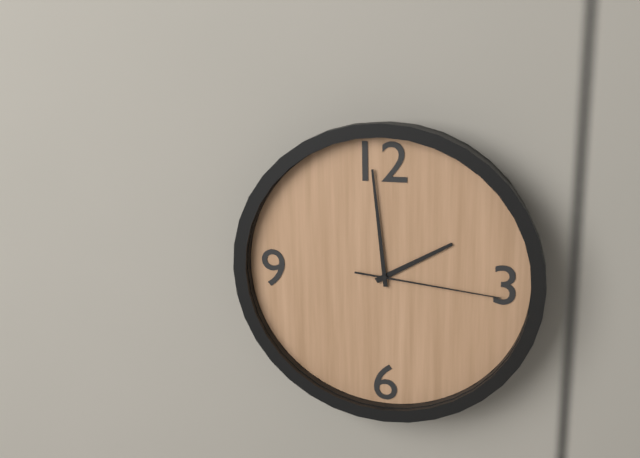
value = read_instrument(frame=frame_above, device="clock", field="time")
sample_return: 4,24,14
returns 1,59,16
